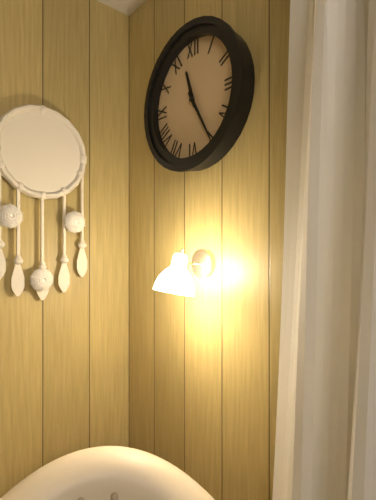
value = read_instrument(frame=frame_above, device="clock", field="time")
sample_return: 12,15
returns 11,25
